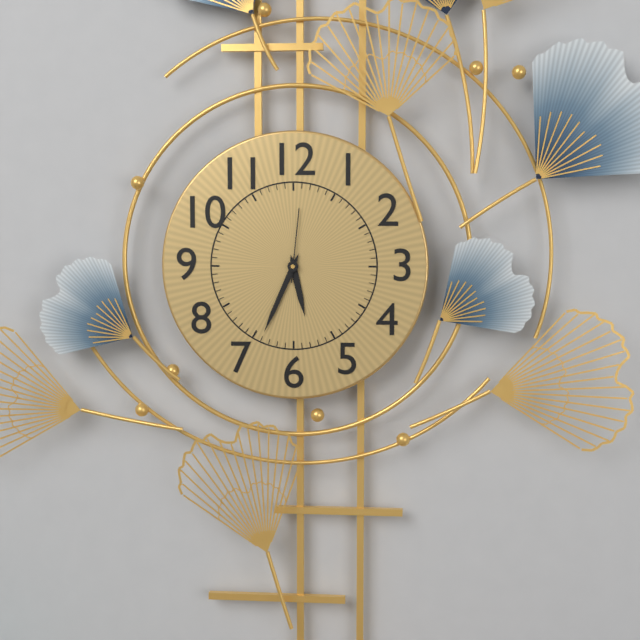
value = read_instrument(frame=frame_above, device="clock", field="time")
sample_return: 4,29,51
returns 5,34,01
